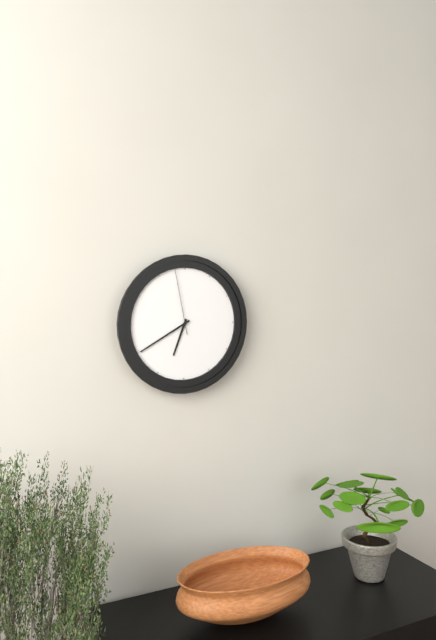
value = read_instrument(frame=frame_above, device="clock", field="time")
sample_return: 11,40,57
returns 6,40,58
